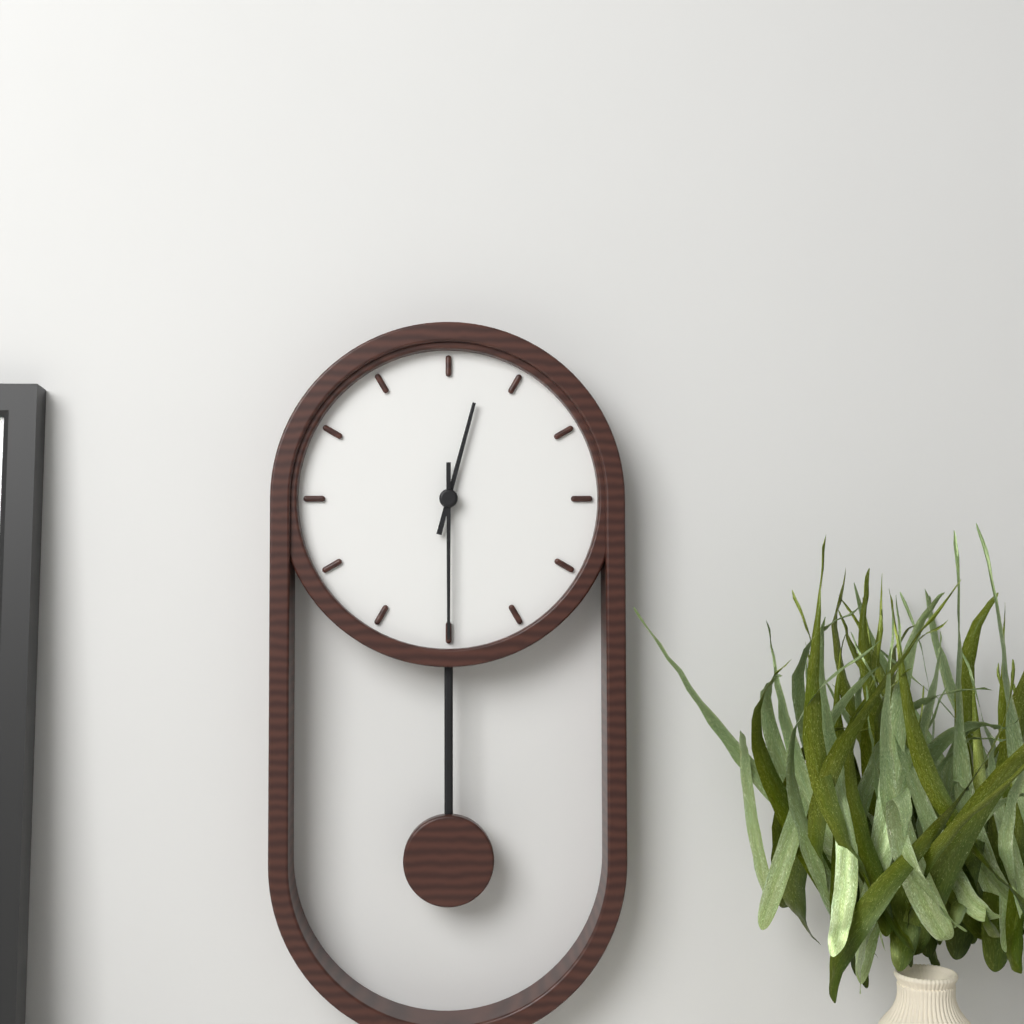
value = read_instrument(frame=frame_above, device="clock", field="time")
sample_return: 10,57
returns 12,30
